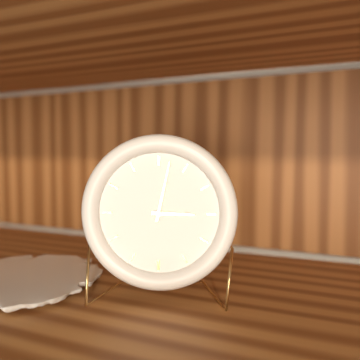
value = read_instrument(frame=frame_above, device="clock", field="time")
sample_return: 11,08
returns 3,02
